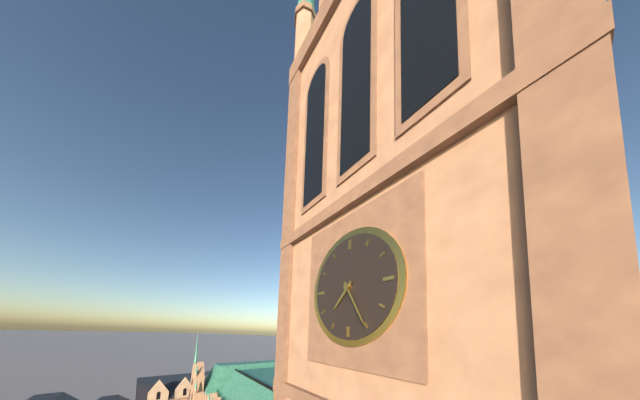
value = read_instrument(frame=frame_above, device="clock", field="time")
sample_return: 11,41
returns 7,25
